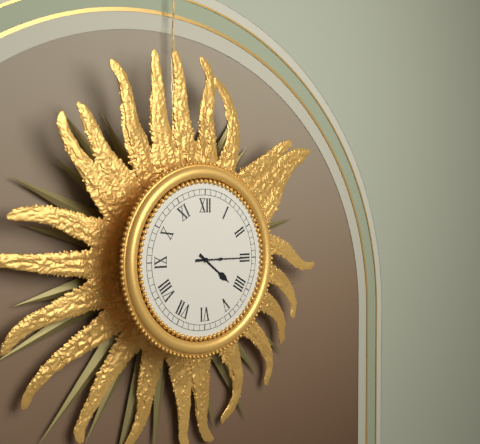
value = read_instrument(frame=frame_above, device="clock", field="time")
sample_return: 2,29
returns 4,15
